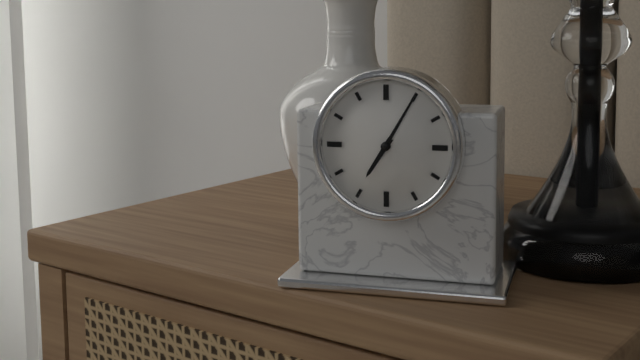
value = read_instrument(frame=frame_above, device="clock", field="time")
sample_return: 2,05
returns 7,05
